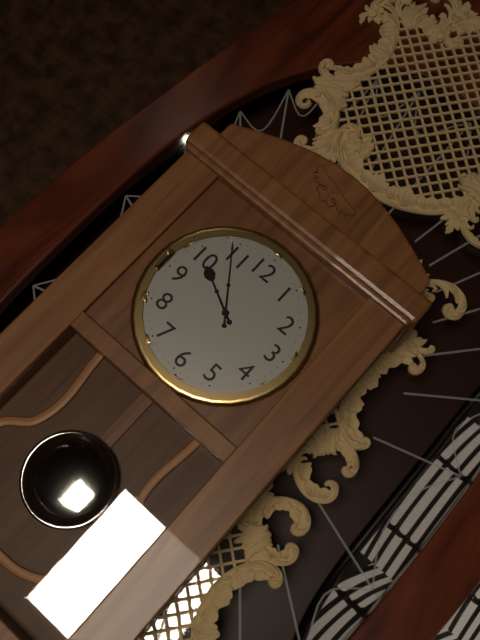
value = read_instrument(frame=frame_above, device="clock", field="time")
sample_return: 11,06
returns 9,54
